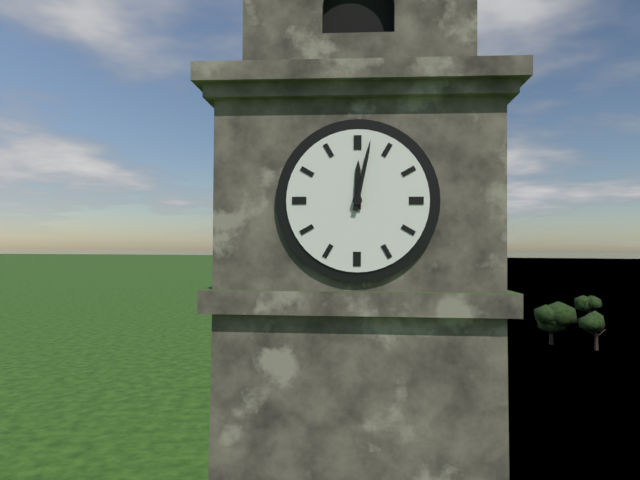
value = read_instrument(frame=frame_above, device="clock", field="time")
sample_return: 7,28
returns 12,02
